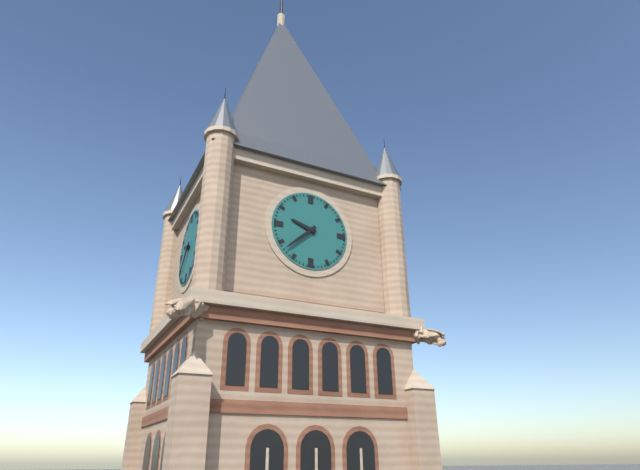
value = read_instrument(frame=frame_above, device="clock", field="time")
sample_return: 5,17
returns 9,38
